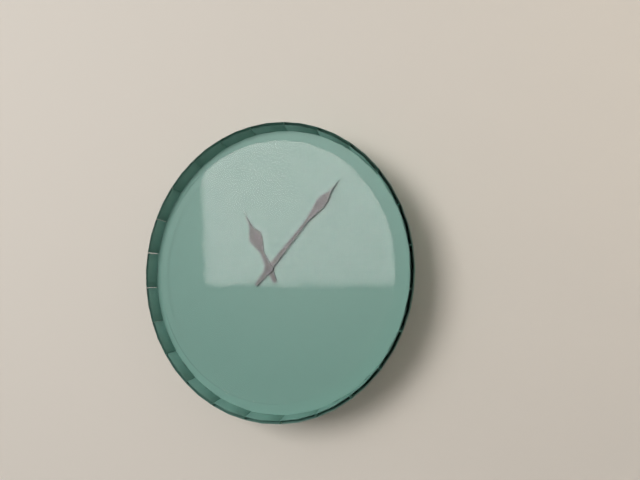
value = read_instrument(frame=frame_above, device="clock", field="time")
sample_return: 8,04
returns 11,07
